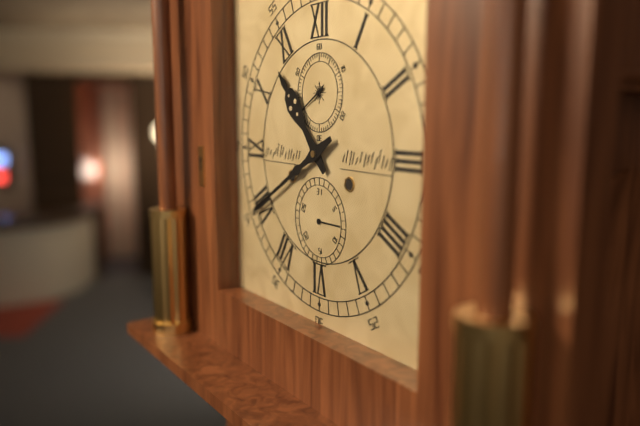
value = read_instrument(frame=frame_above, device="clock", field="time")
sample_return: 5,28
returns 10,40
